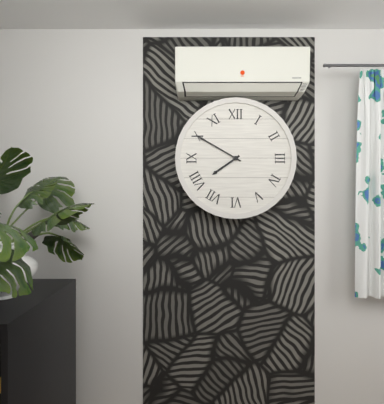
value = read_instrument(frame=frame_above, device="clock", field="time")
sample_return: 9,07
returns 7,50
